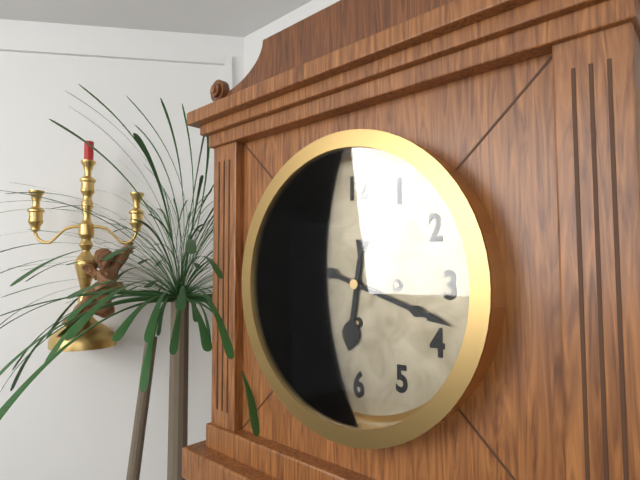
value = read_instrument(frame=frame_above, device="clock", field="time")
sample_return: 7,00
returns 6,18
